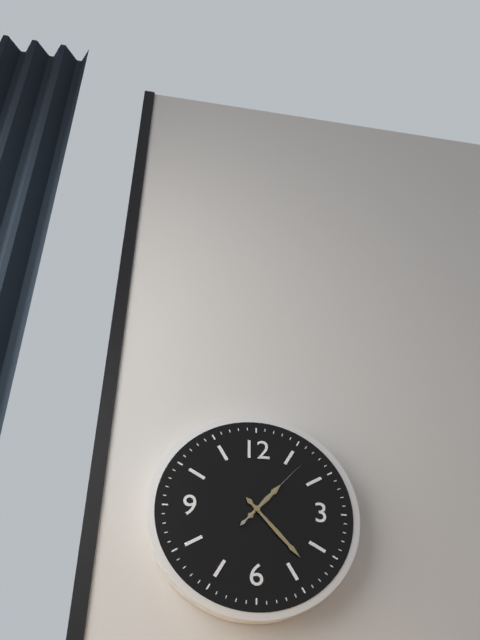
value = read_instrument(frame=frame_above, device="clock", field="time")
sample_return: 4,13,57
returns 1,23,07
